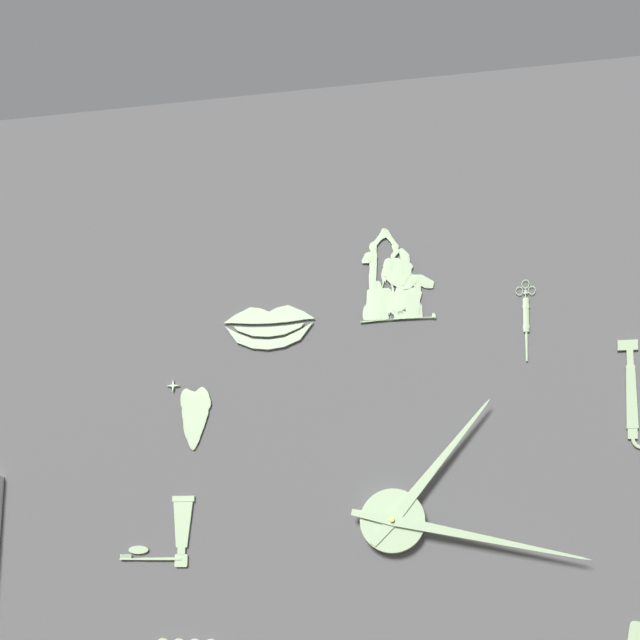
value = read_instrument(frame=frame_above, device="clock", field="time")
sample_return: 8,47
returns 1,17
